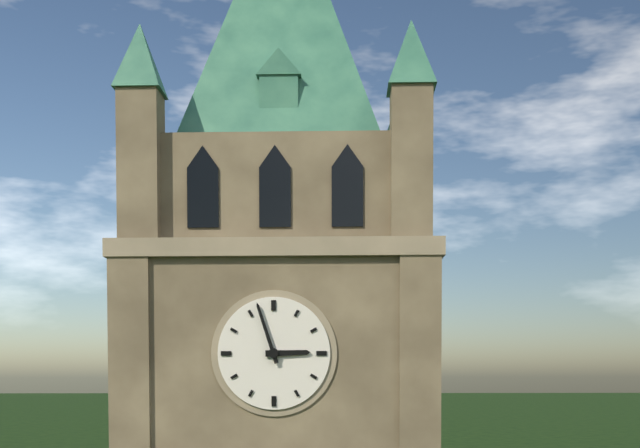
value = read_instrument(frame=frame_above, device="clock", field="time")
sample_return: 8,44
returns 2,57
